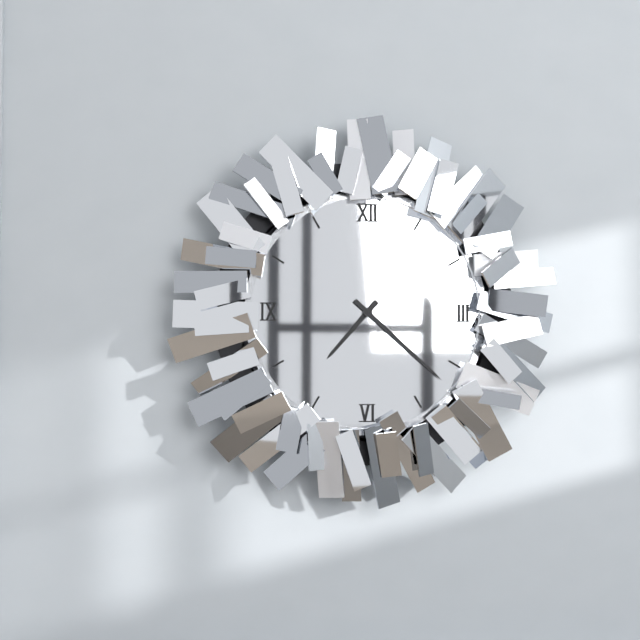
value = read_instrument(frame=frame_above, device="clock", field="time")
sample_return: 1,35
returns 7,22
